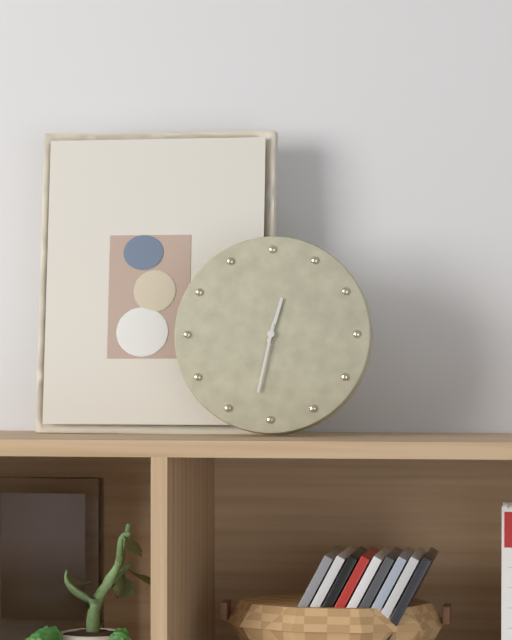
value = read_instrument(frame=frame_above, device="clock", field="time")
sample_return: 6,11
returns 12,32
